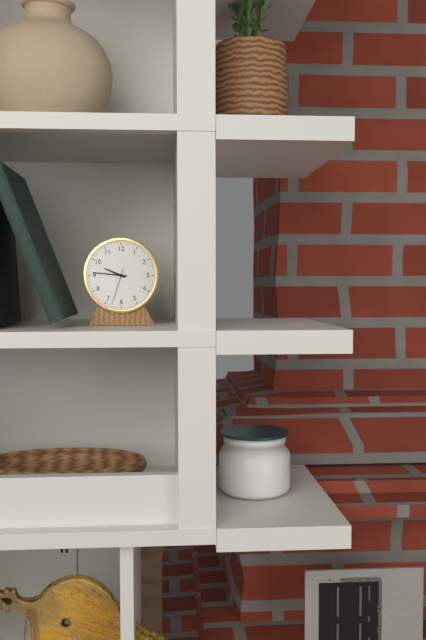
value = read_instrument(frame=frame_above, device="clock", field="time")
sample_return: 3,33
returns 9,46
